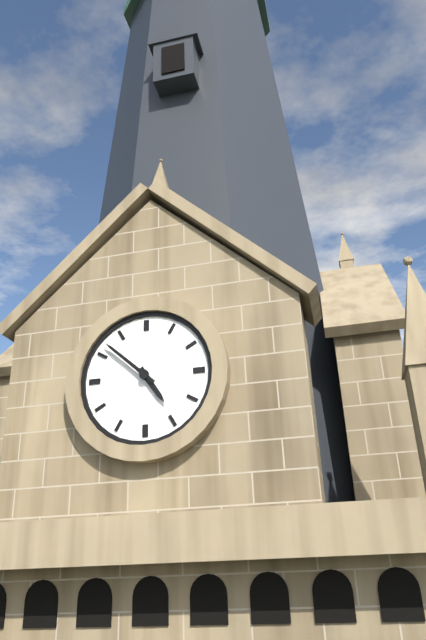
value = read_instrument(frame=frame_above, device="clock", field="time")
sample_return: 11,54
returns 4,52
